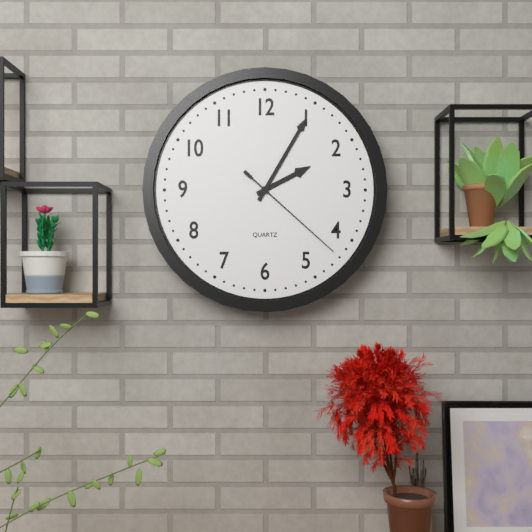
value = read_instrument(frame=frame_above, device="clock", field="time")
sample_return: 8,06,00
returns 2,05,22
